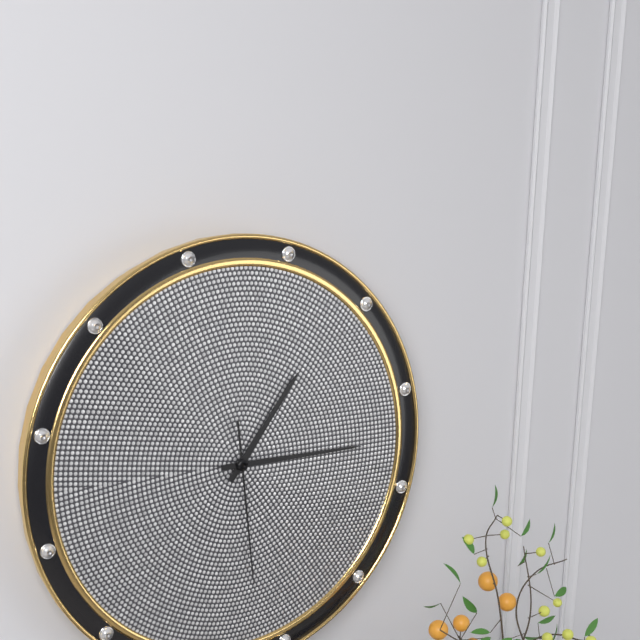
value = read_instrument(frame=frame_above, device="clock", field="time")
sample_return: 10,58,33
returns 1,15,29
